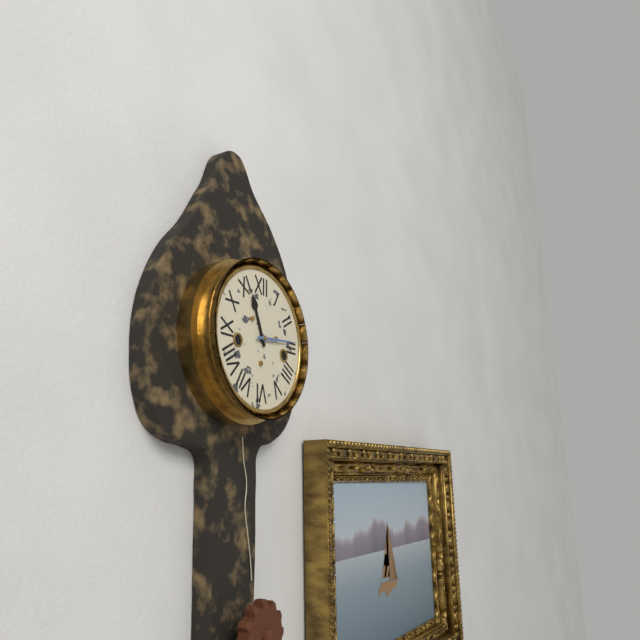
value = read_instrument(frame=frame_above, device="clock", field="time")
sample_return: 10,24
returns 11,14
